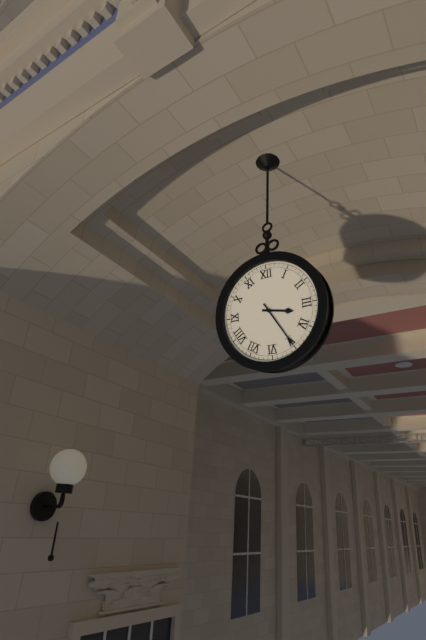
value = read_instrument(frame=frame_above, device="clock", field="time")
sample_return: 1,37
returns 3,25
